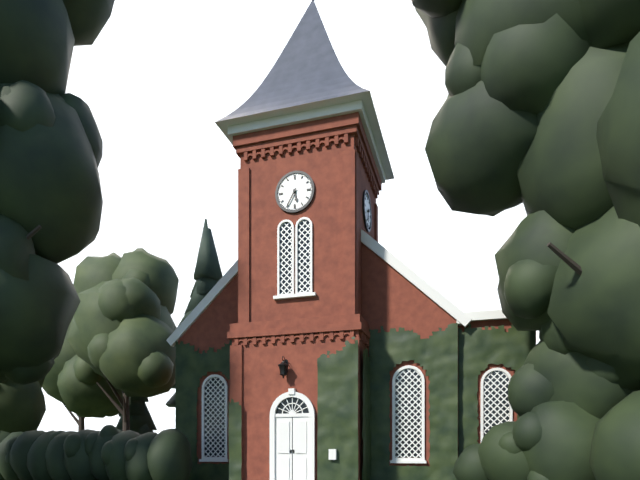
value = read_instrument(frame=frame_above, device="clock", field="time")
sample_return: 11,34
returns 5,35
